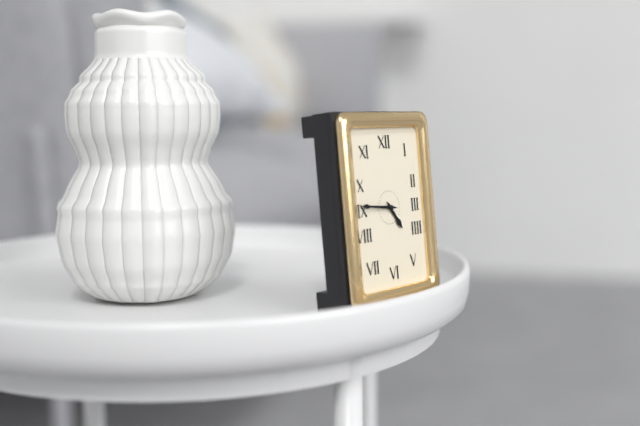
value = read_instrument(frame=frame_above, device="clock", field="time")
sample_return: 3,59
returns 4,46
